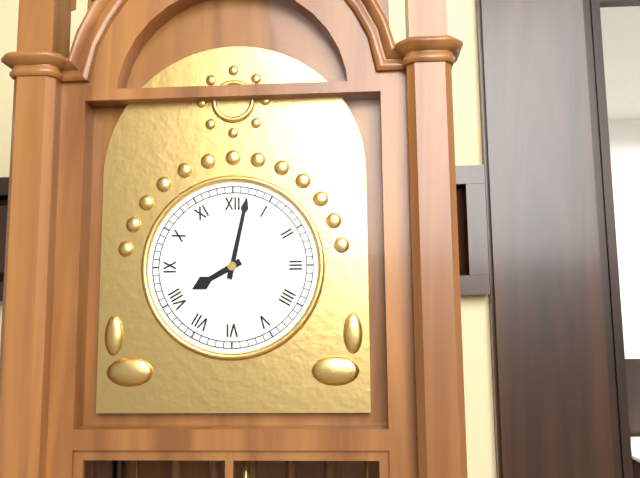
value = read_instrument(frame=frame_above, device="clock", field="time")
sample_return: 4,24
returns 8,02
